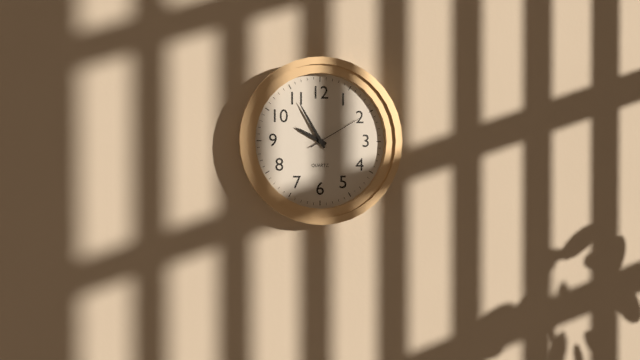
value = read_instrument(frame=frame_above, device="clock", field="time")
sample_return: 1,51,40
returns 9,55,10
